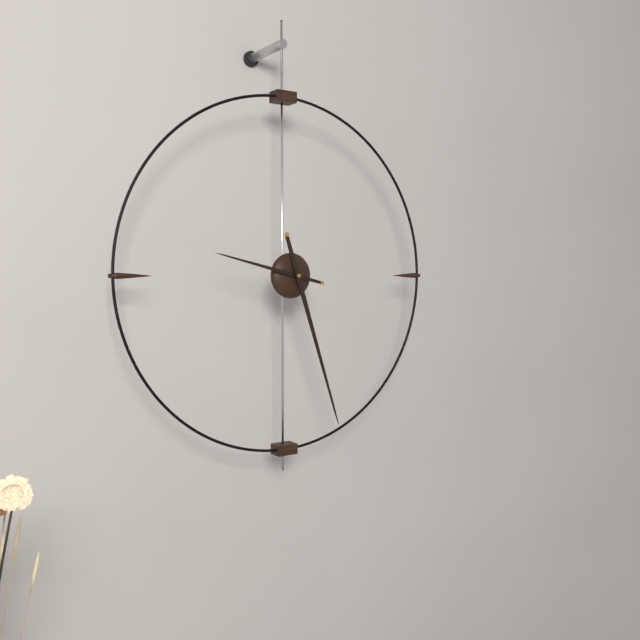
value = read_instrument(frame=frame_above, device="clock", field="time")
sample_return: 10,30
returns 9,27
